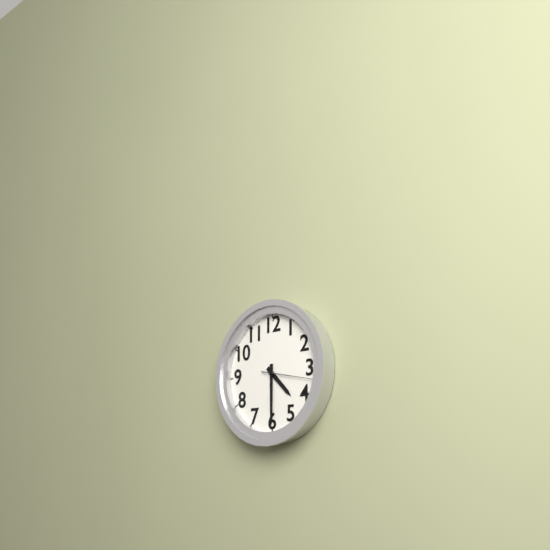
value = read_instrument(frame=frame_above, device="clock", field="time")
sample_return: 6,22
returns 4,30
